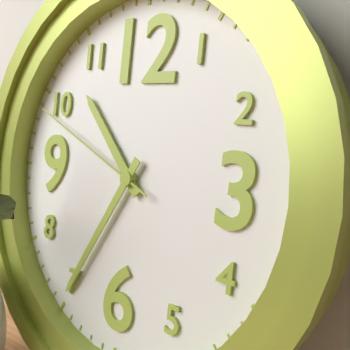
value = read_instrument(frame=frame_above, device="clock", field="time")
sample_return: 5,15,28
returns 10,35,49
